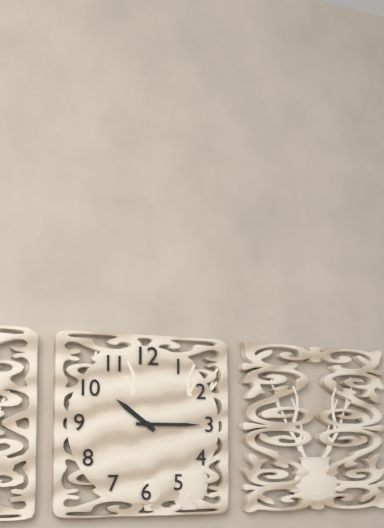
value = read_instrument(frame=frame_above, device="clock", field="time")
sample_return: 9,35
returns 10,15
